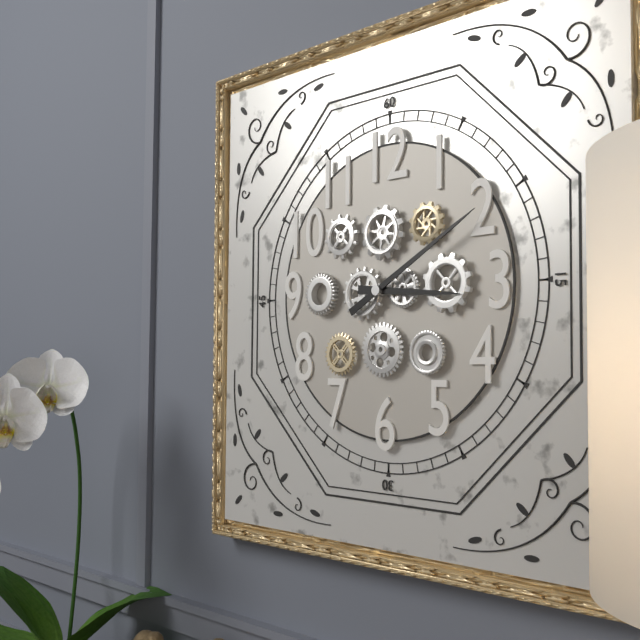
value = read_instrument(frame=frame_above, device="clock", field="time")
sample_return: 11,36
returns 3,10
